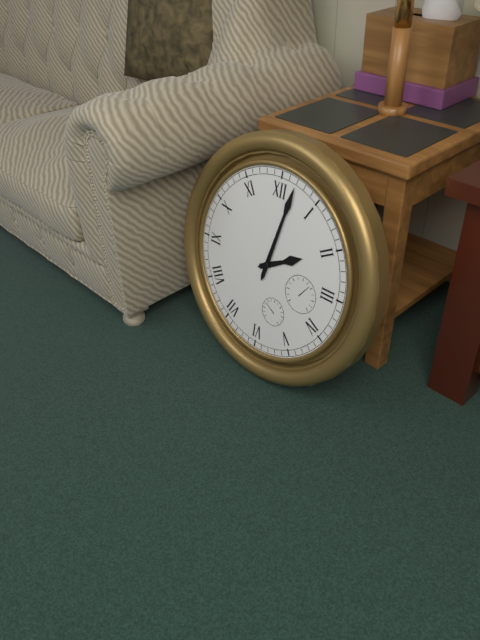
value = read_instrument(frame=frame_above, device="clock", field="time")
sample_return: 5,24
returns 2,02
